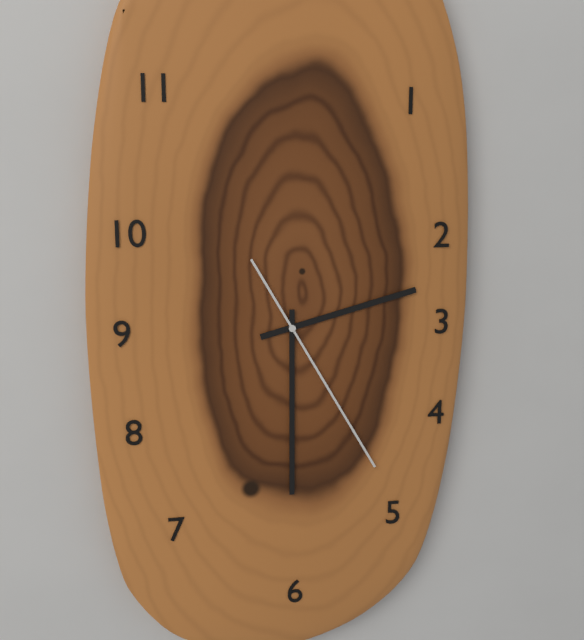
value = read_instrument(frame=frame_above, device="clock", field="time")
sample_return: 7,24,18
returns 2,30,25
